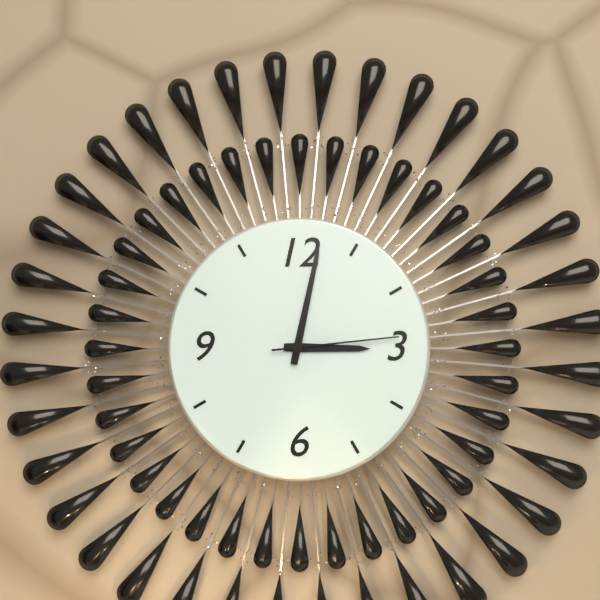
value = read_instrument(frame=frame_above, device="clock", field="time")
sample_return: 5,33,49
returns 3,02,14
